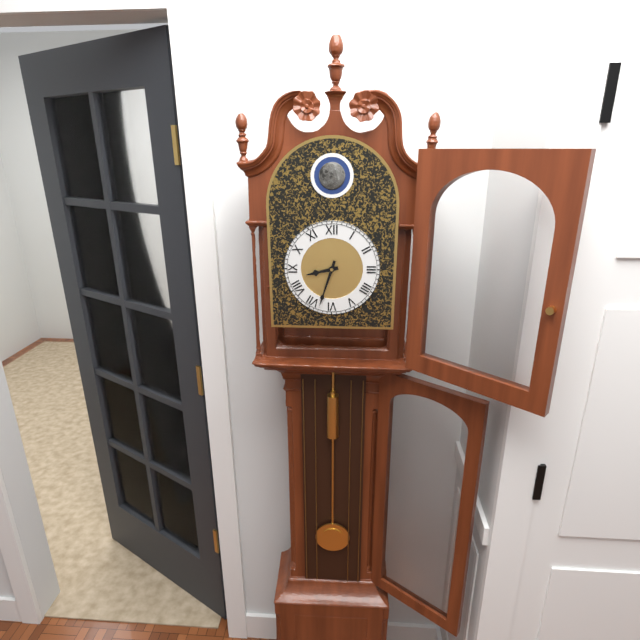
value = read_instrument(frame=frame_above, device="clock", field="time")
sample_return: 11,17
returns 8,33
